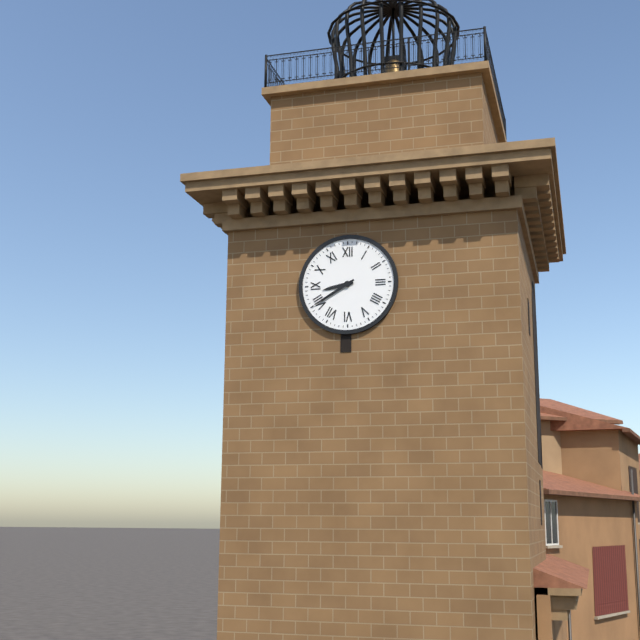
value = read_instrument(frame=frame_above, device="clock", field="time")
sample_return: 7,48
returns 8,40
